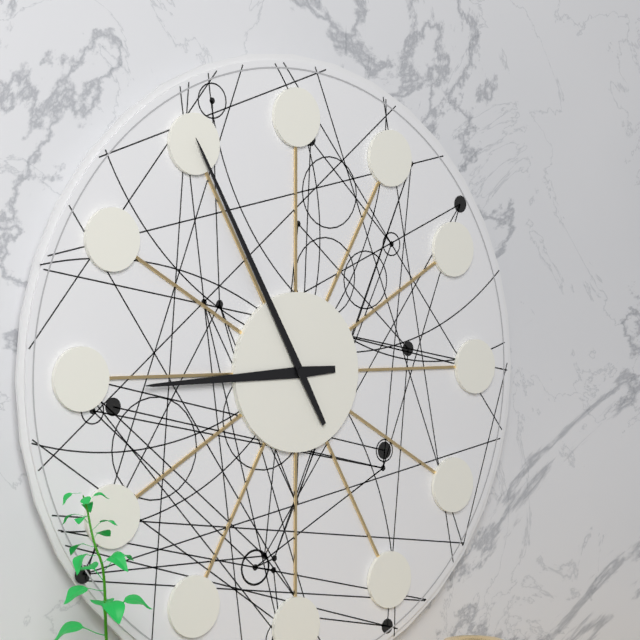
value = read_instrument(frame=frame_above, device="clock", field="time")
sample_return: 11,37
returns 8,55
